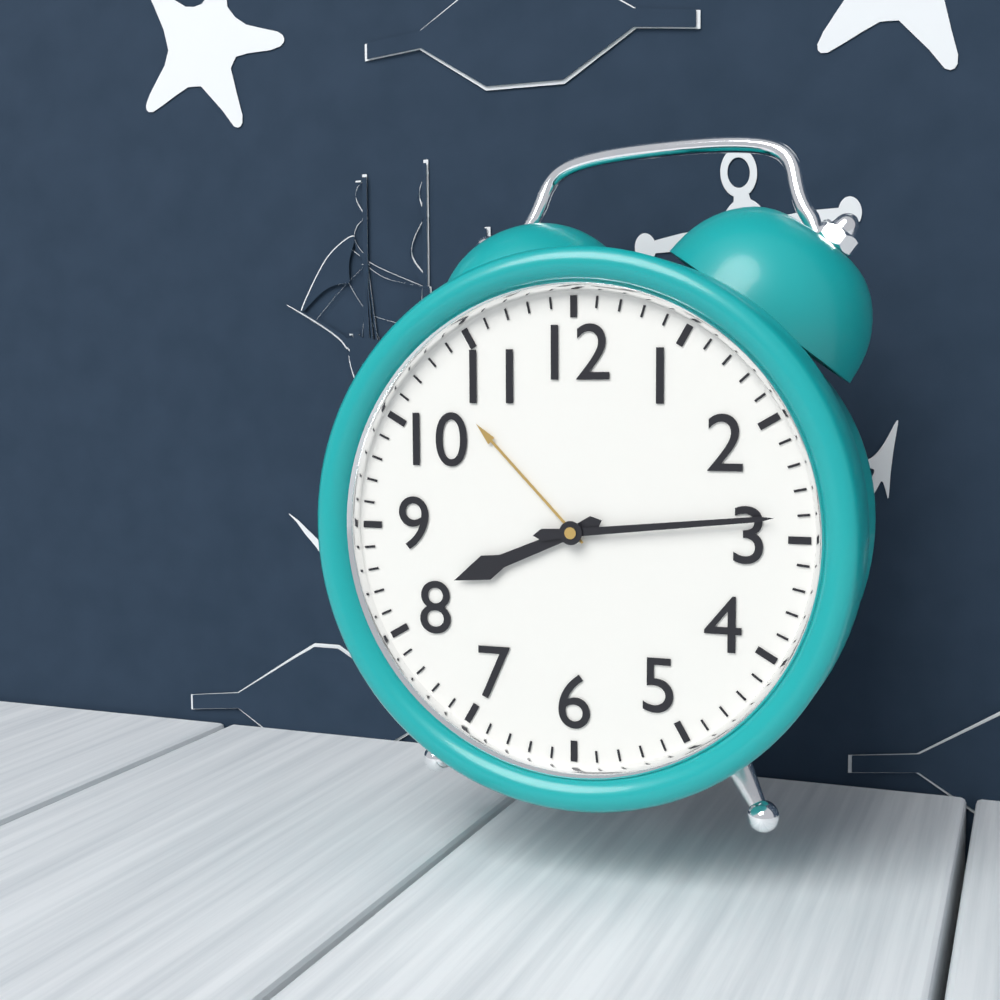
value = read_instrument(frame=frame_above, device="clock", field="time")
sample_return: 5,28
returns 8,14
